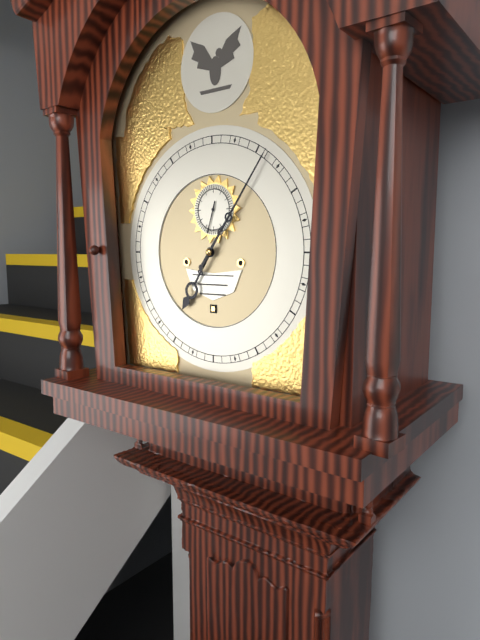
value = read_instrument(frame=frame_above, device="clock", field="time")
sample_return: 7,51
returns 7,06
